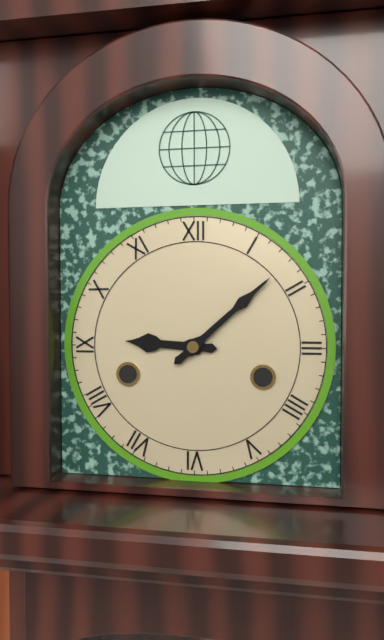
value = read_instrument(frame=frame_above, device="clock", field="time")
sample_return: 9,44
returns 9,08
